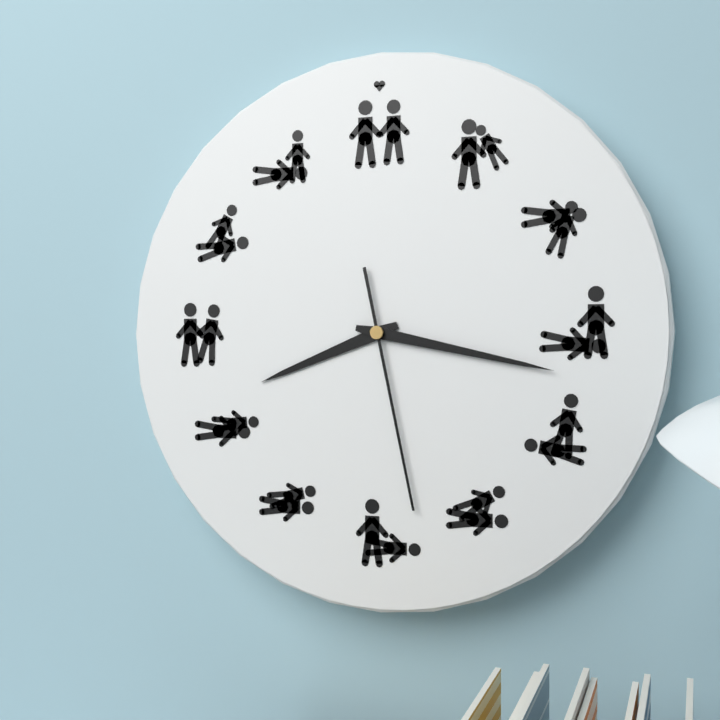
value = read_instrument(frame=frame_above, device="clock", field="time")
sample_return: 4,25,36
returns 8,17,28
